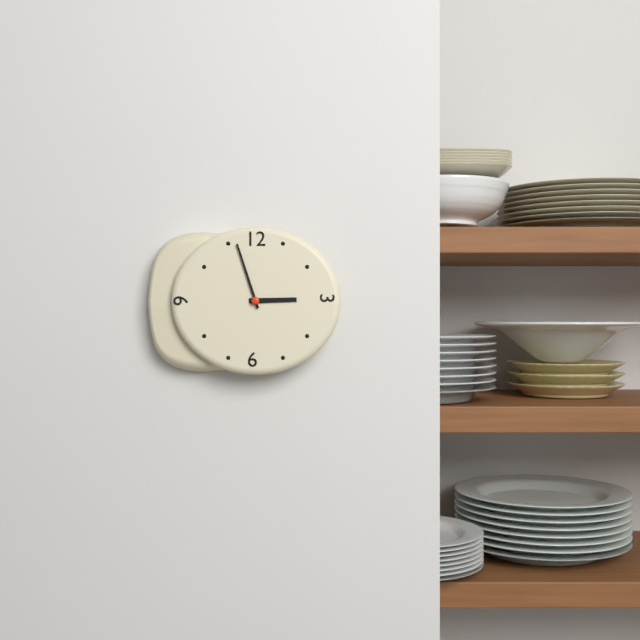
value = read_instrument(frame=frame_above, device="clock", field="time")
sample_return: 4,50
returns 2,57
